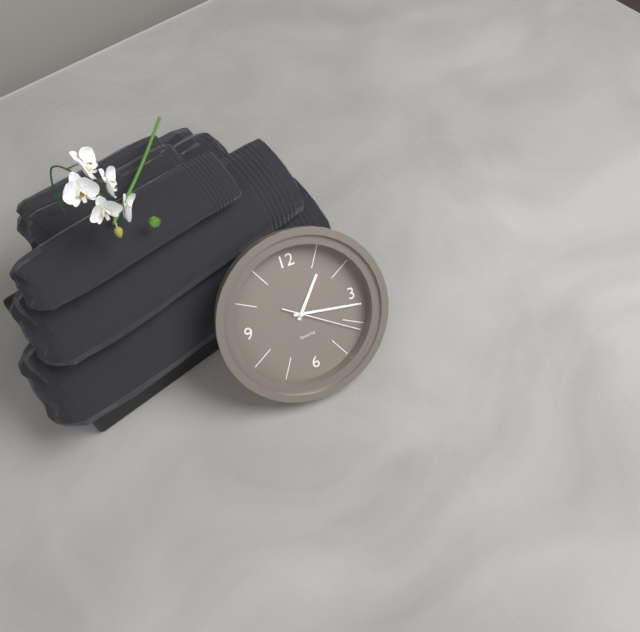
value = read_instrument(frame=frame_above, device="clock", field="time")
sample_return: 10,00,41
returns 1,17,21
